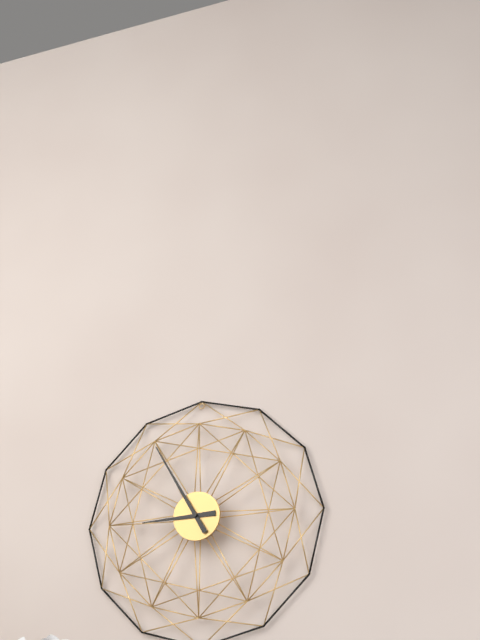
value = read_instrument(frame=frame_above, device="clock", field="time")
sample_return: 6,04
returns 8,55
